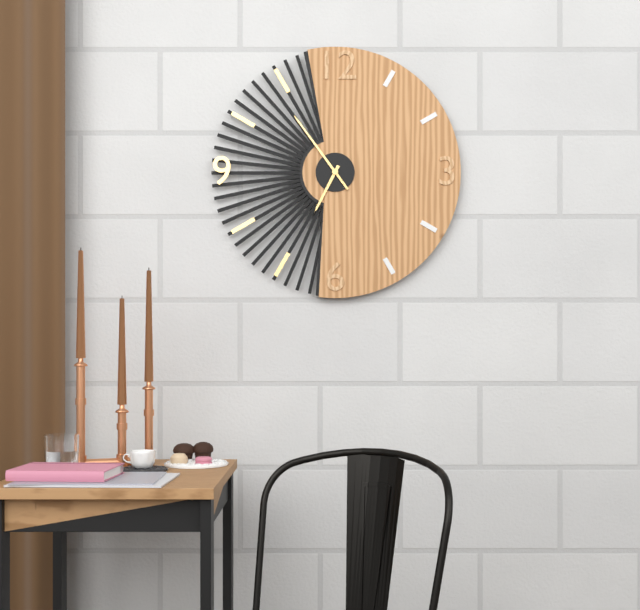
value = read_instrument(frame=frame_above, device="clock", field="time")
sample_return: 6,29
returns 6,54
